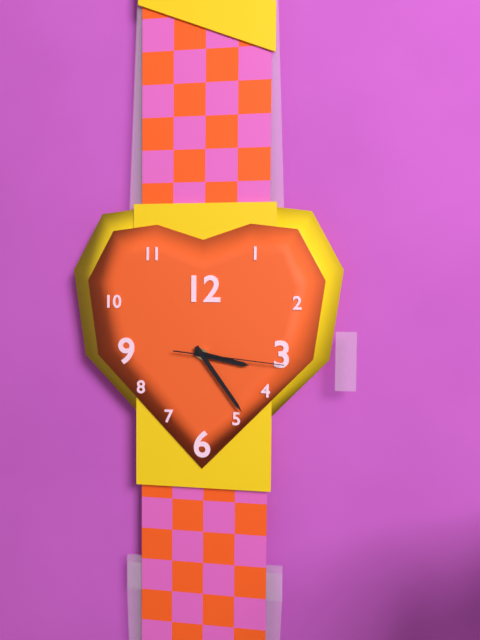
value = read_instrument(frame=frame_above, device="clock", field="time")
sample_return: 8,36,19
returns 3,24,16
